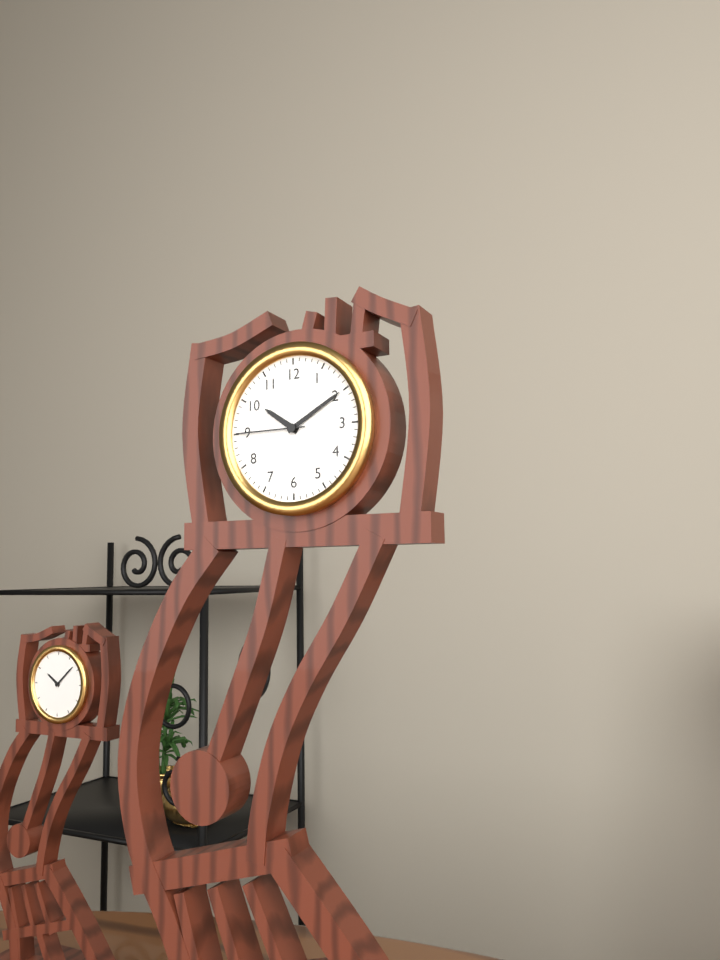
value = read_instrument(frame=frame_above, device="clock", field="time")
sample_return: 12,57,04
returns 10,10,45
